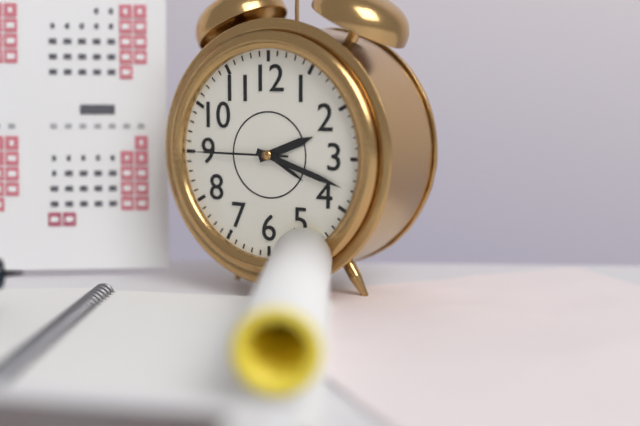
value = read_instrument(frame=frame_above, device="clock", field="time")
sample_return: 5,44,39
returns 2,18,45
